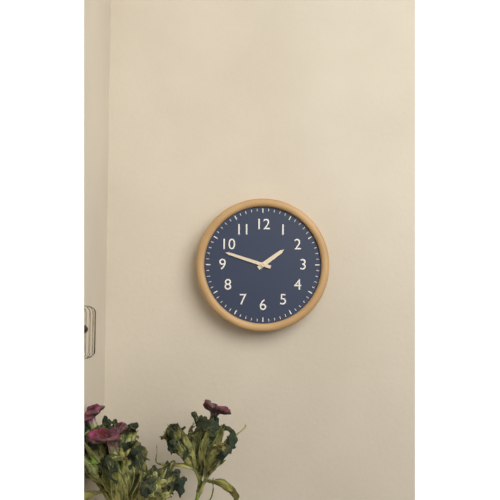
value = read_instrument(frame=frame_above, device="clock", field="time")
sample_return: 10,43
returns 1,48
